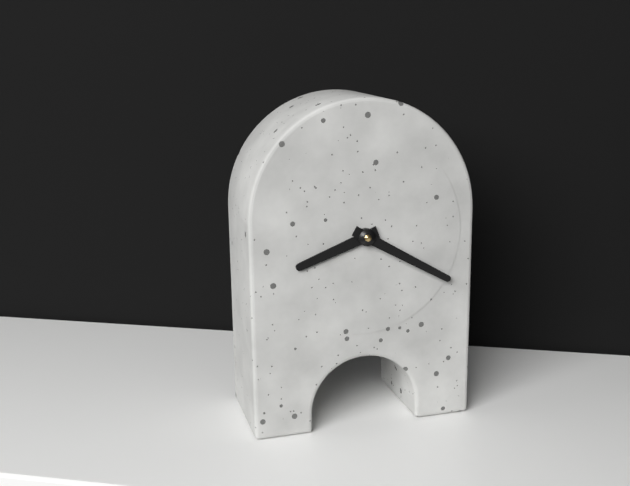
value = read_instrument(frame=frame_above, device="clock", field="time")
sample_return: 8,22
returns 8,20
